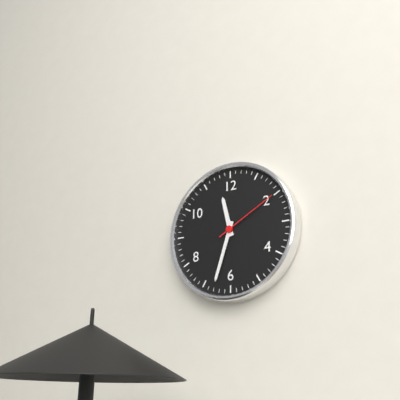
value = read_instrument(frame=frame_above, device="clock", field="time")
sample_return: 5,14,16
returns 11,33,10
